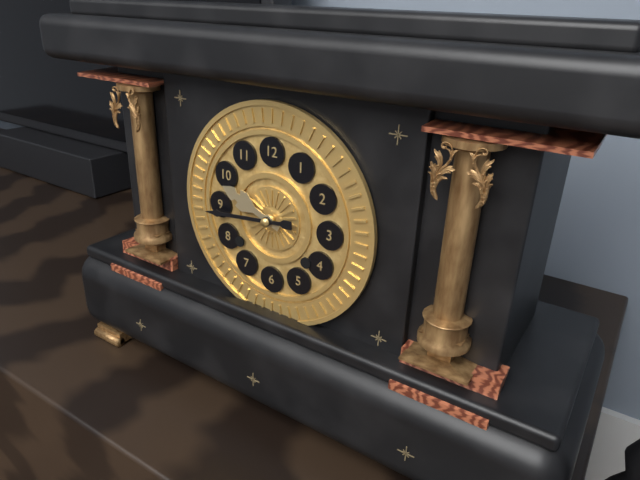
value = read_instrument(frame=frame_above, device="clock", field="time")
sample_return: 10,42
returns 9,44
